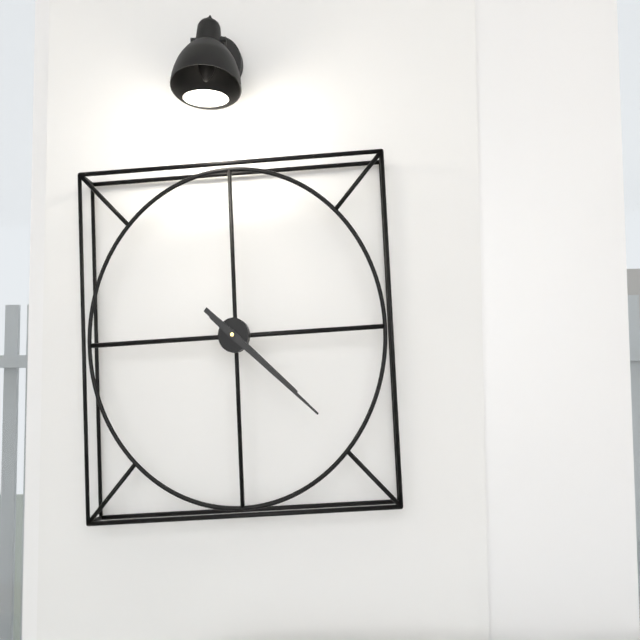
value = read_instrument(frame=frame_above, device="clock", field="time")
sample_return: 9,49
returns 4,22
